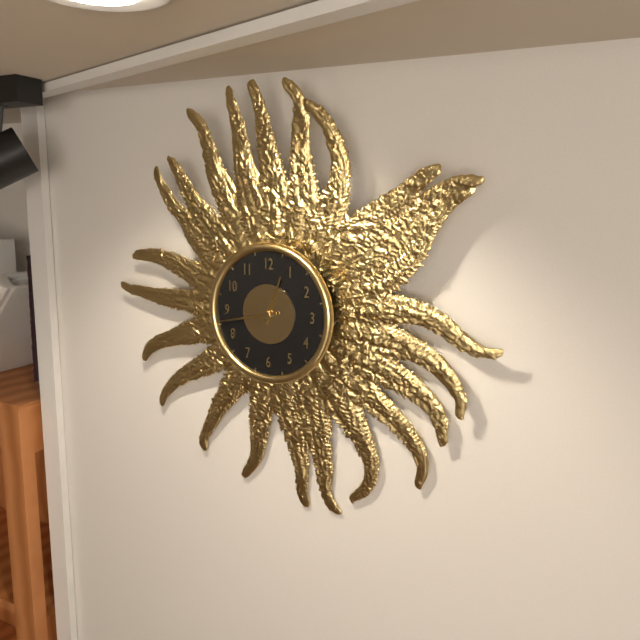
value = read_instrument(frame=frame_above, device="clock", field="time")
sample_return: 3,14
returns 12,43
